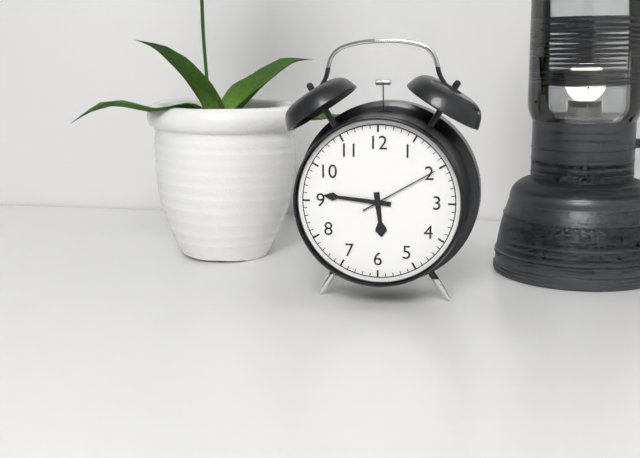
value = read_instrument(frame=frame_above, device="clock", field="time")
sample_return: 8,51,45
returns 5,46,10
